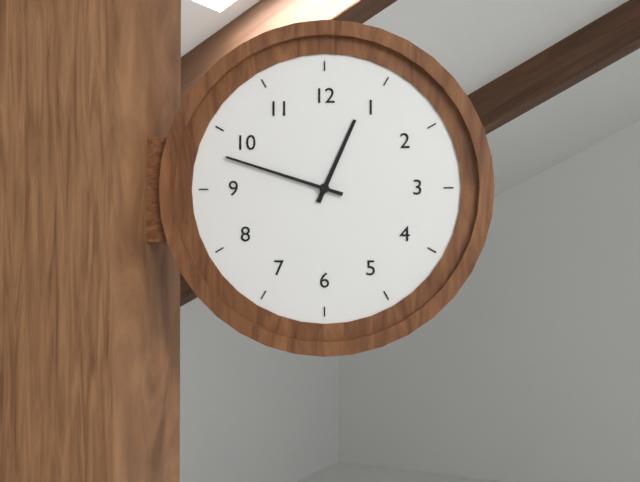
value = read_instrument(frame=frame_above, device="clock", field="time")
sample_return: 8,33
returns 12,48
